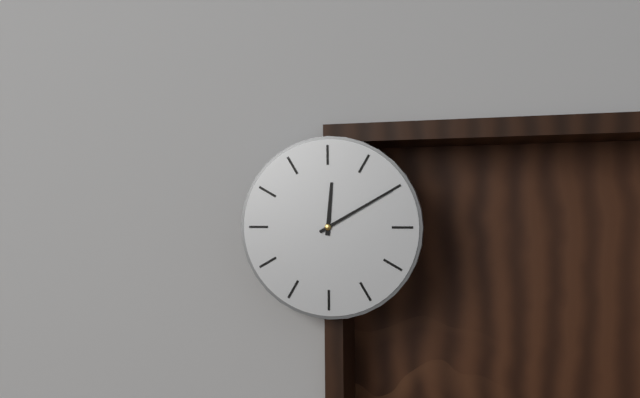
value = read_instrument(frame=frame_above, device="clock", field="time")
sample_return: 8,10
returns 12,10
